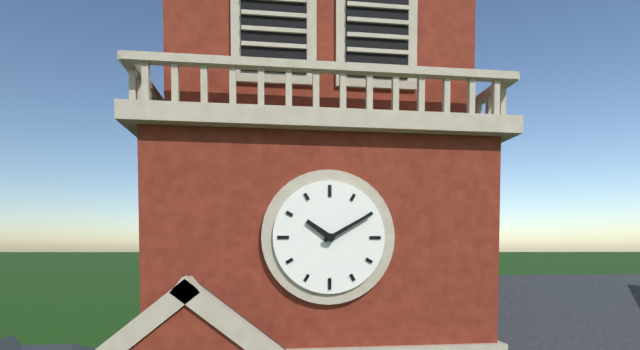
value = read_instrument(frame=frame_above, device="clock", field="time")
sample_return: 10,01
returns 10,10
